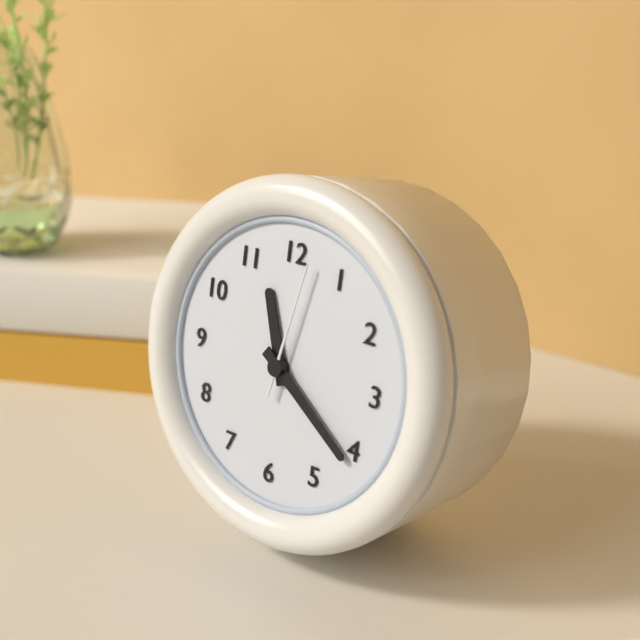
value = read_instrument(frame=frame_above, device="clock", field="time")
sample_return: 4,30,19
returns 11,21,02
